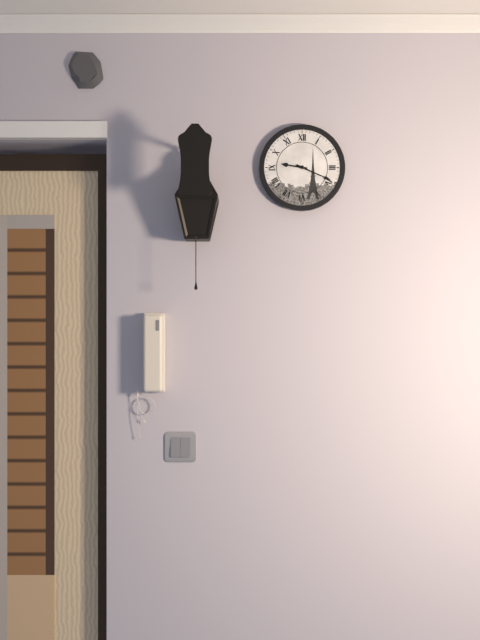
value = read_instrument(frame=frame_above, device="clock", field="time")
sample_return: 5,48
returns 9,19
